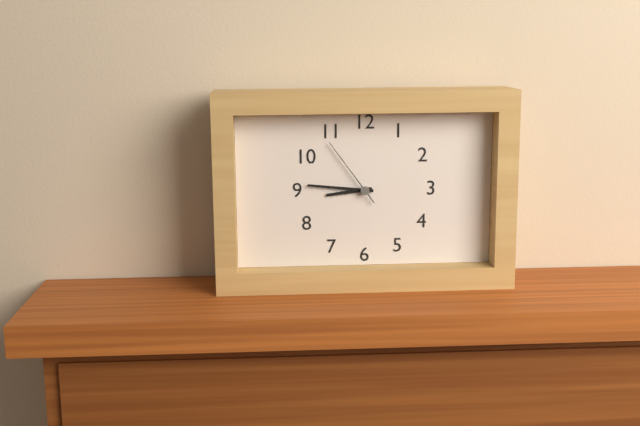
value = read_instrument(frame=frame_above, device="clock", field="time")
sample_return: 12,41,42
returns 8,46,54
